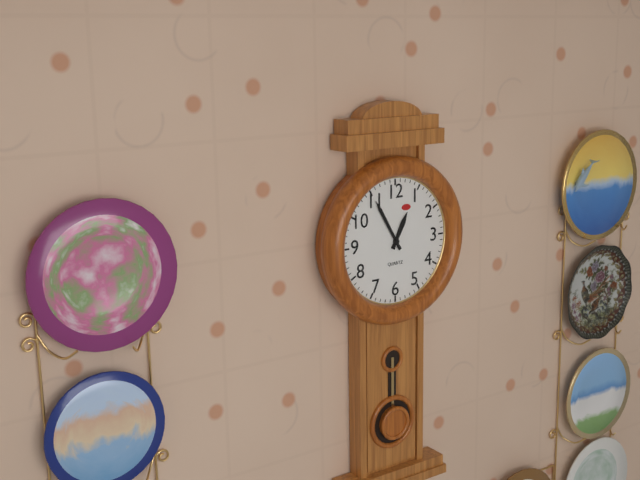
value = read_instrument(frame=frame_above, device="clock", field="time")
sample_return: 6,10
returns 12,55
